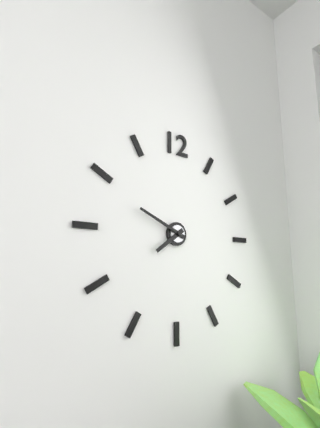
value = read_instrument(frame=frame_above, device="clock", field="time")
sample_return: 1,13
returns 7,49
